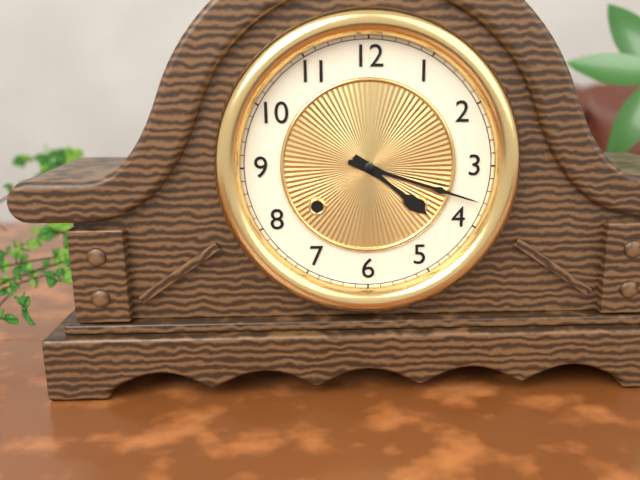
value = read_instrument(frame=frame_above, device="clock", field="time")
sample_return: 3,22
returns 4,18
